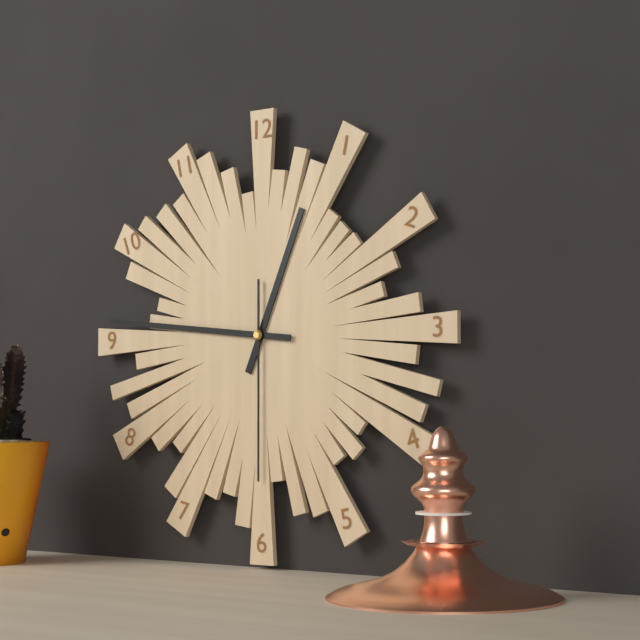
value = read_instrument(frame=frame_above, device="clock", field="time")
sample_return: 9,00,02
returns 12,46,30
